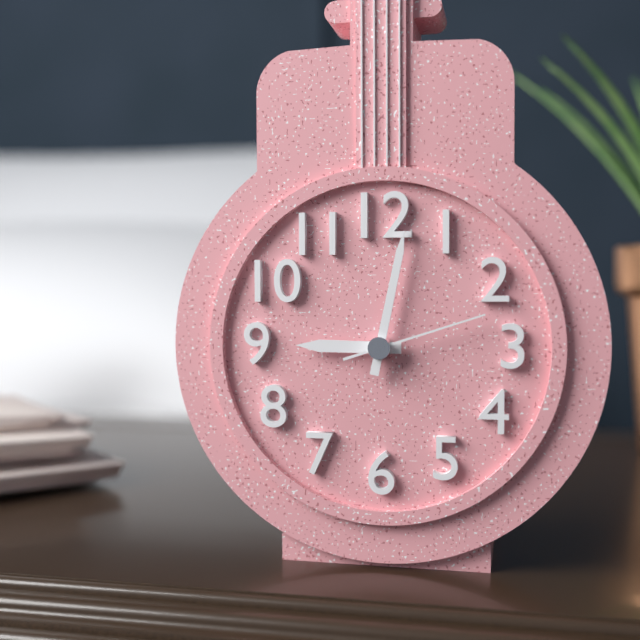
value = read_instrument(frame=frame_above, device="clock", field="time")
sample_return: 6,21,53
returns 9,02,12
